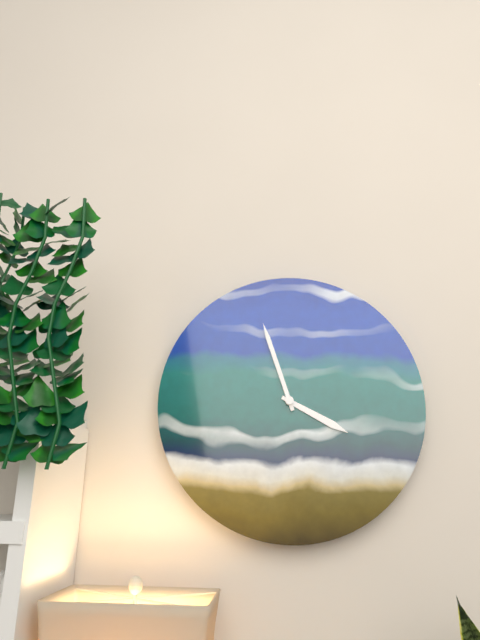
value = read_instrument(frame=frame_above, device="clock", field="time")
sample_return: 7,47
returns 3,57
